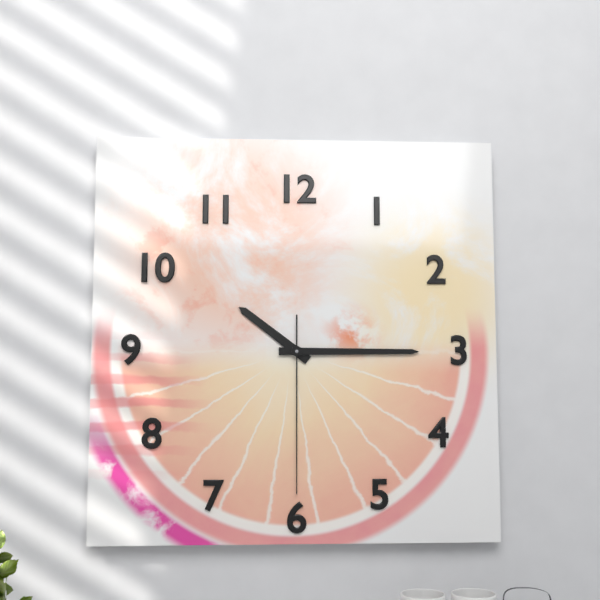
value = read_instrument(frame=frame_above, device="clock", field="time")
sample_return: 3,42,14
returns 10,15,30
